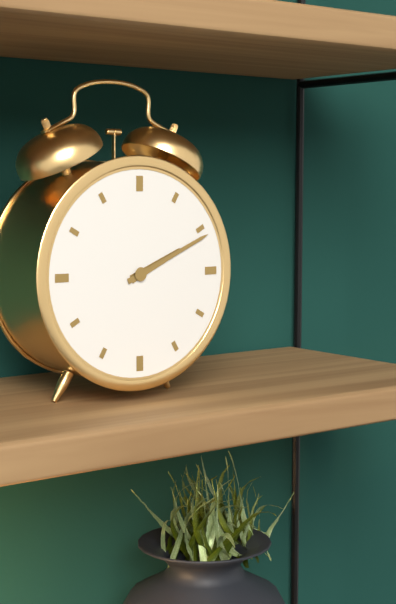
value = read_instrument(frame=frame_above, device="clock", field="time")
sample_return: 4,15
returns 2,11
